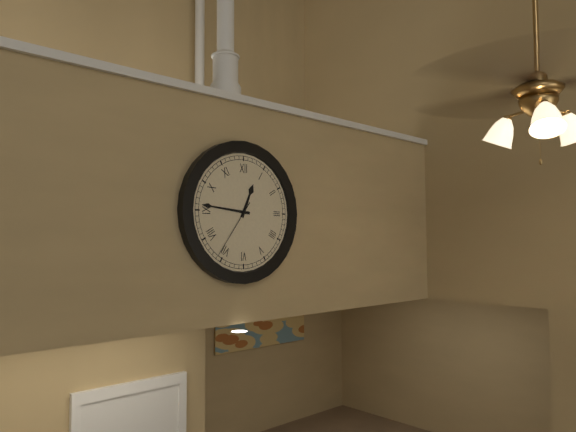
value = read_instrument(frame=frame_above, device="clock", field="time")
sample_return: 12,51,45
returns 12,46,36
